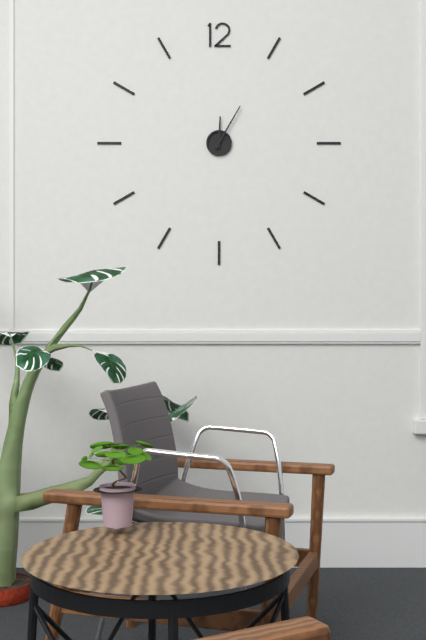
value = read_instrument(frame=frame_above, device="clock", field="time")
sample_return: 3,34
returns 12,05
